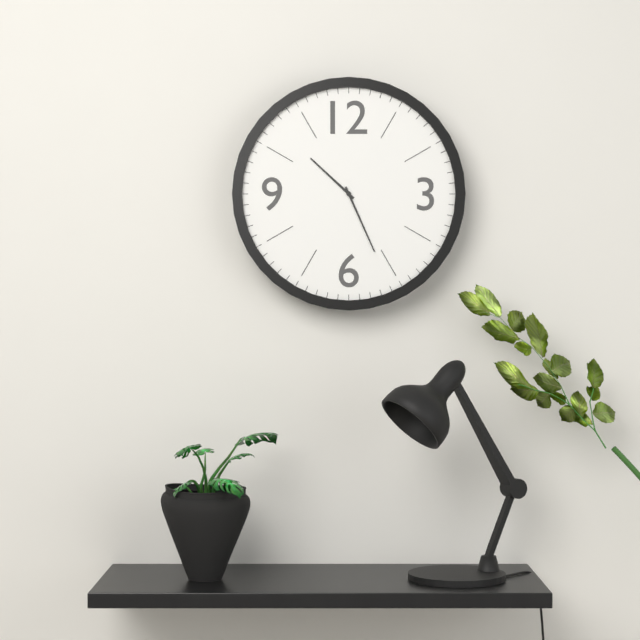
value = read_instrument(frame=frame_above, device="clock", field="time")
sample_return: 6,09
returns 10,26
